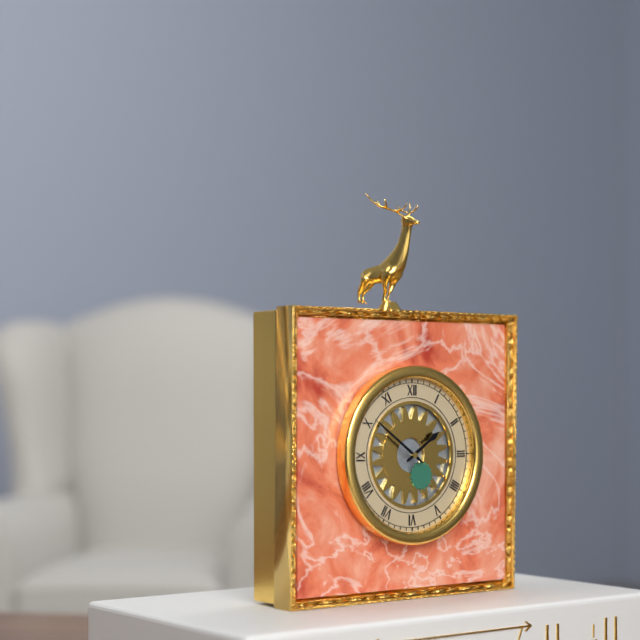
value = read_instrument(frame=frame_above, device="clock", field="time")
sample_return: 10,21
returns 1,51
